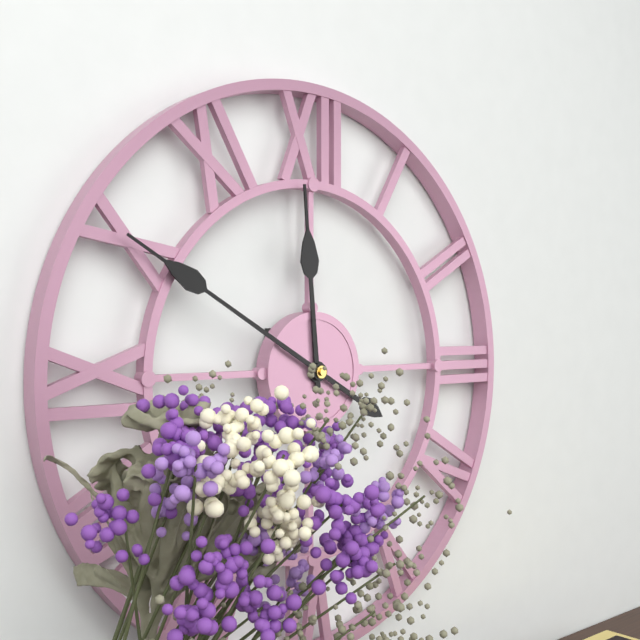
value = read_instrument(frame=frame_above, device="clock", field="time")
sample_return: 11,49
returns 11,50
